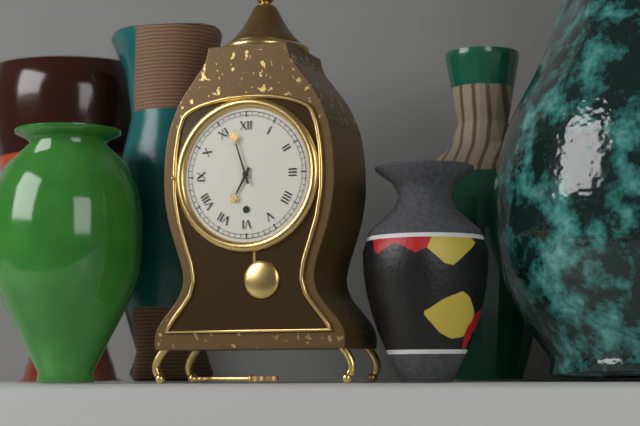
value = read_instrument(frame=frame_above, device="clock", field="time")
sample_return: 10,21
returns 6,57
